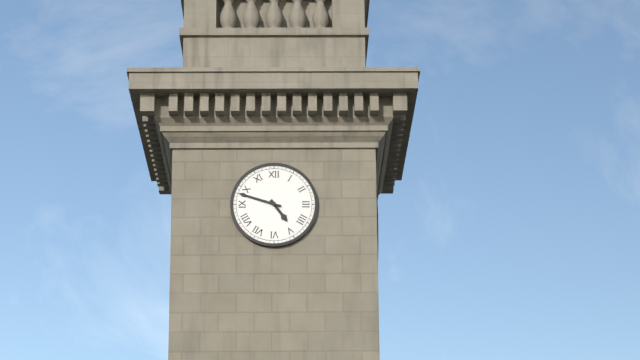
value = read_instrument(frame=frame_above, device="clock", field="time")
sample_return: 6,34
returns 4,48
